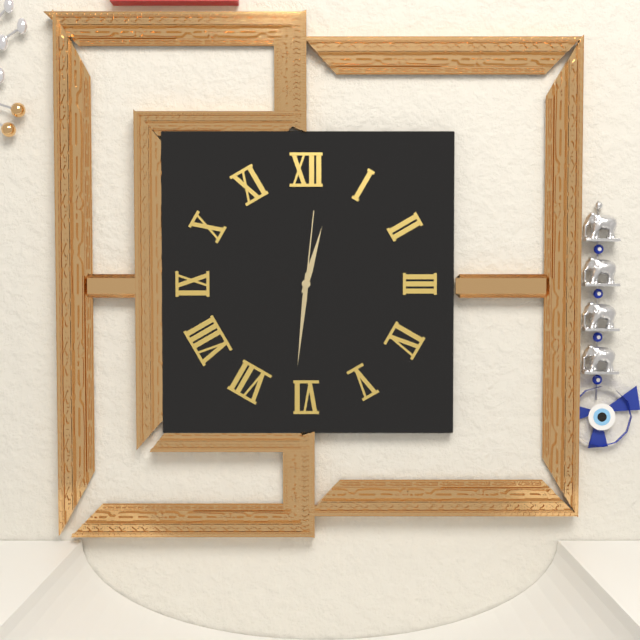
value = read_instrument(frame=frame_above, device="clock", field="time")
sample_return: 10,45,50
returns 12,31,01
